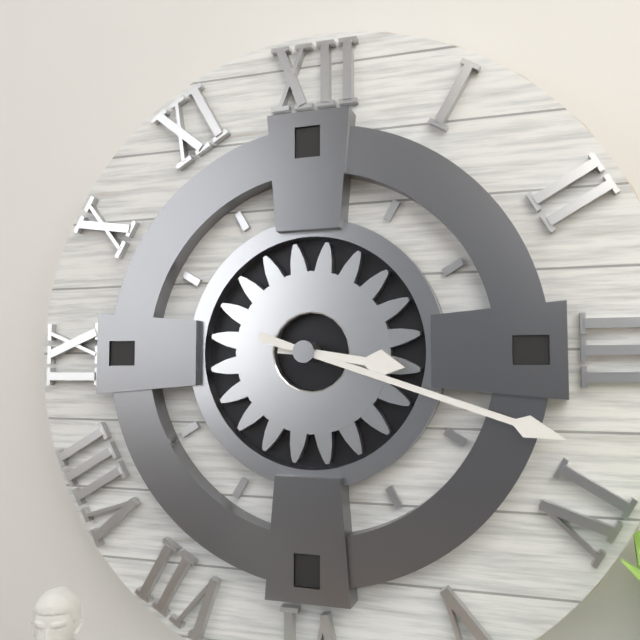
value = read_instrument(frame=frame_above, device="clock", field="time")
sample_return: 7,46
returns 3,18
